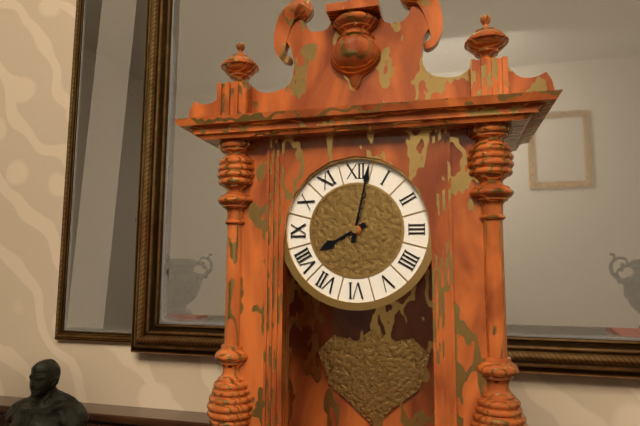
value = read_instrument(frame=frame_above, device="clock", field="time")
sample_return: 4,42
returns 8,02
